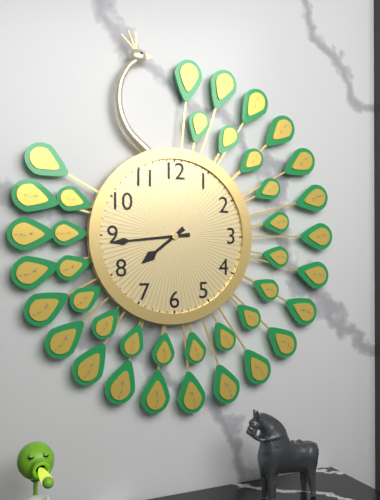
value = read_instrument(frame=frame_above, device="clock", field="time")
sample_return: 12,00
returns 7,44
